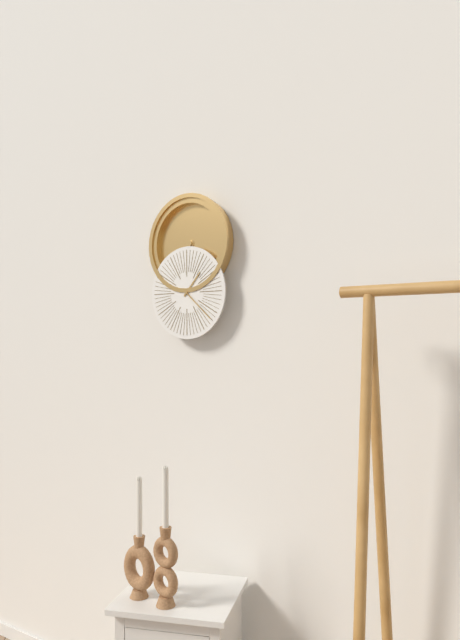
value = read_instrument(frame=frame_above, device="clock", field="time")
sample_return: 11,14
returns 1,22
